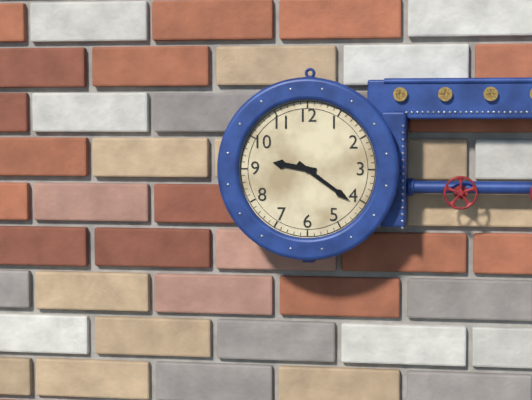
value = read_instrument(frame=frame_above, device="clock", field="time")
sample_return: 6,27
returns 9,21
